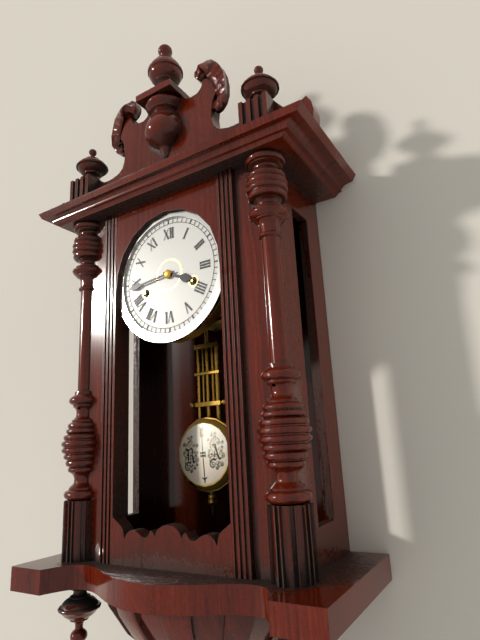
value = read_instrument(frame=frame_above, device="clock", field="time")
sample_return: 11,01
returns 3,44
